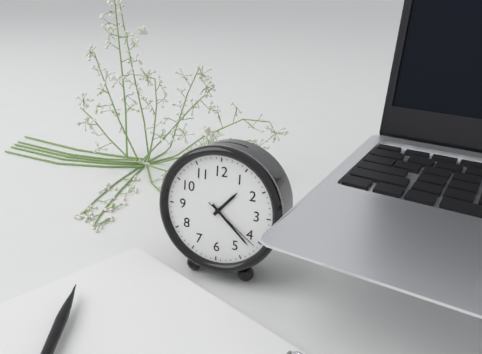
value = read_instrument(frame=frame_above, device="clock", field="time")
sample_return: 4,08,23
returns 1,22,21
